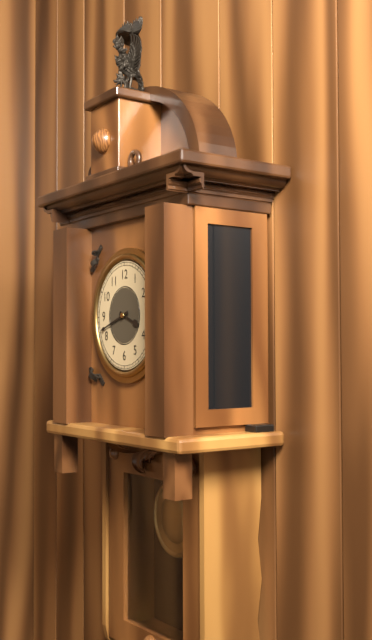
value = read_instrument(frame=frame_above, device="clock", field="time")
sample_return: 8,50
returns 3,42
